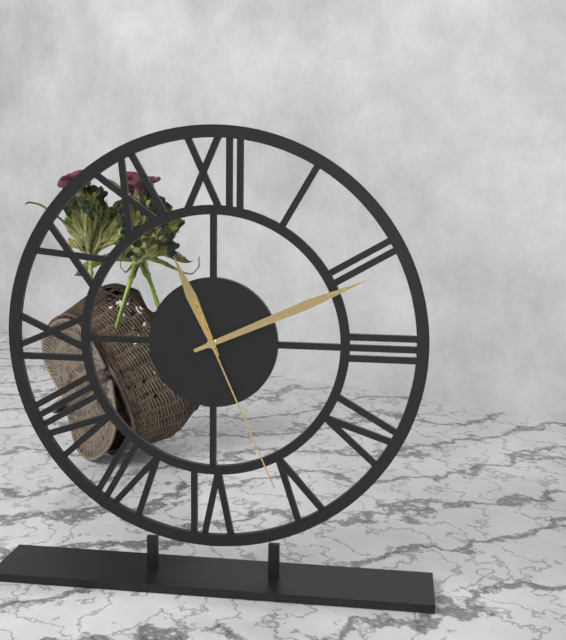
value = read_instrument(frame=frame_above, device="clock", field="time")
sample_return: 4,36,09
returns 11,11,26
